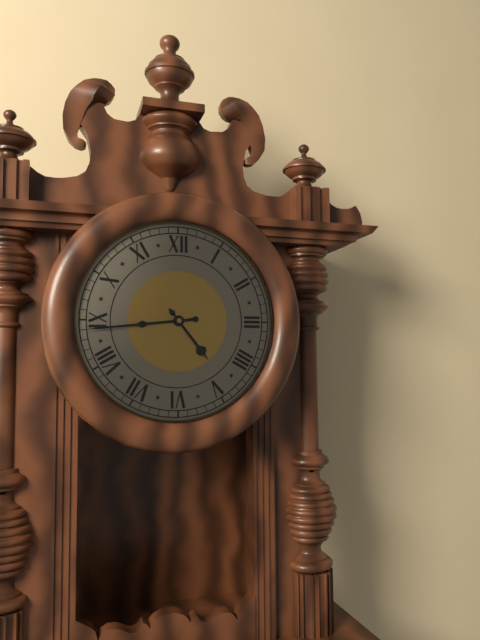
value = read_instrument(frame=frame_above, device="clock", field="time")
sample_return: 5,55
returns 4,44
